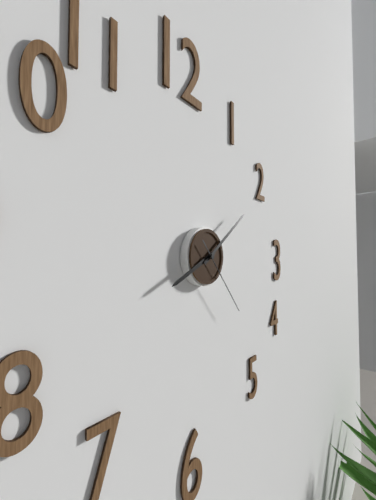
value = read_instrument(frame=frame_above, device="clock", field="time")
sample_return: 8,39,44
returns 8,09,23
